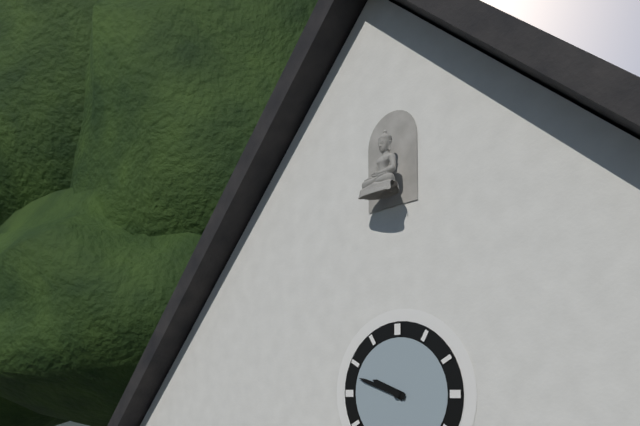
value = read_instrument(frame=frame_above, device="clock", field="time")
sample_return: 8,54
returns 9,48
